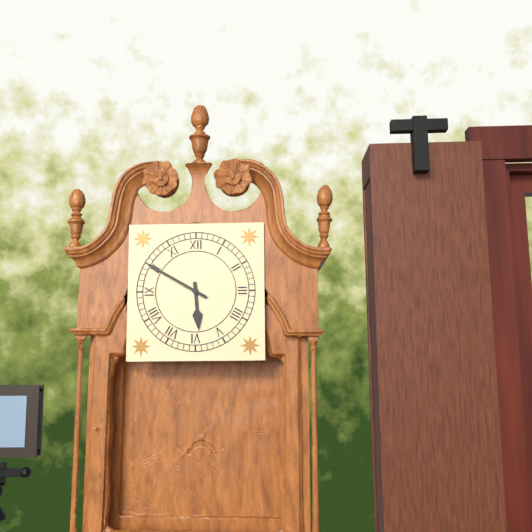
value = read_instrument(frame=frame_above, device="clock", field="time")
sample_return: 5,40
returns 5,50
